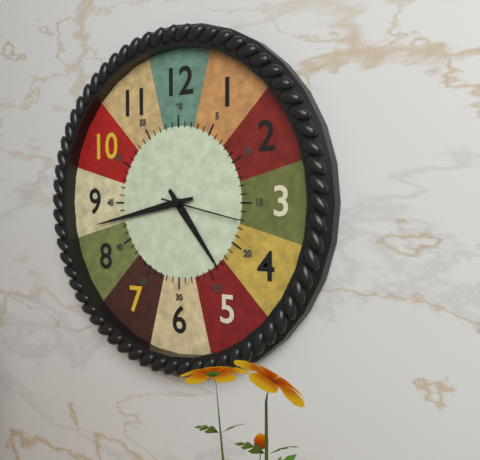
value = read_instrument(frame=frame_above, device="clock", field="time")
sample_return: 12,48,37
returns 4,43,17
